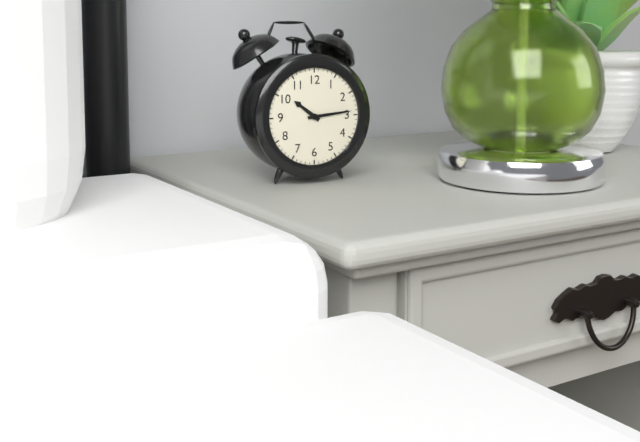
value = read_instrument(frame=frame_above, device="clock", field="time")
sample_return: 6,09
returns 10,14
